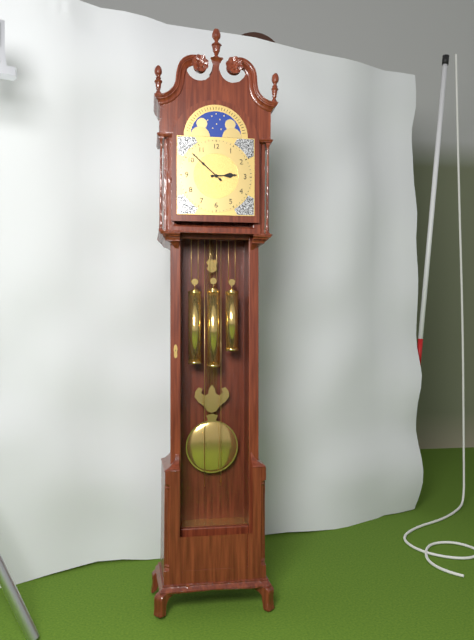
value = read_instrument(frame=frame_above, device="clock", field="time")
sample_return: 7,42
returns 2,52
